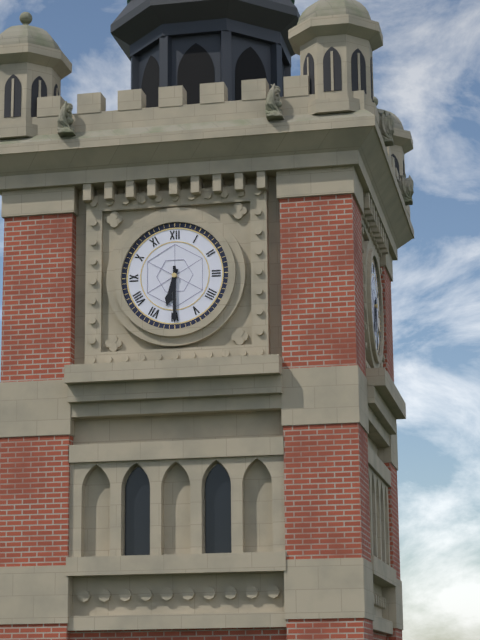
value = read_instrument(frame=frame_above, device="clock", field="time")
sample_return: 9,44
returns 6,30
